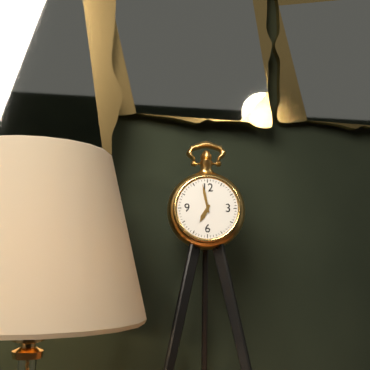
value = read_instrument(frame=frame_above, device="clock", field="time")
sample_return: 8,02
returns 6,58
